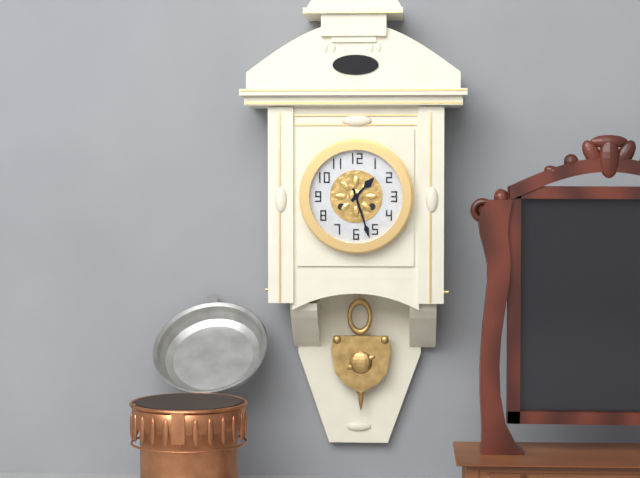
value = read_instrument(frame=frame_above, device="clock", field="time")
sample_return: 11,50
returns 1,27
